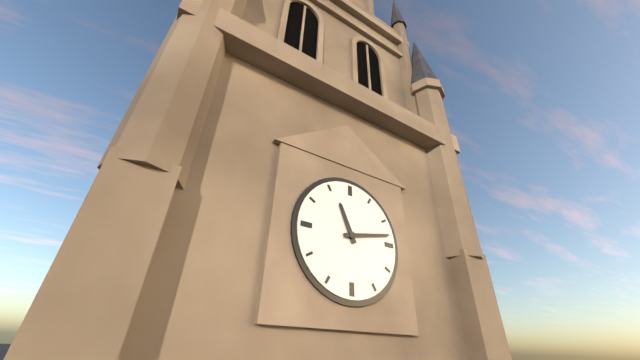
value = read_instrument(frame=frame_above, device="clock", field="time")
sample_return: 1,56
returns 11,13
